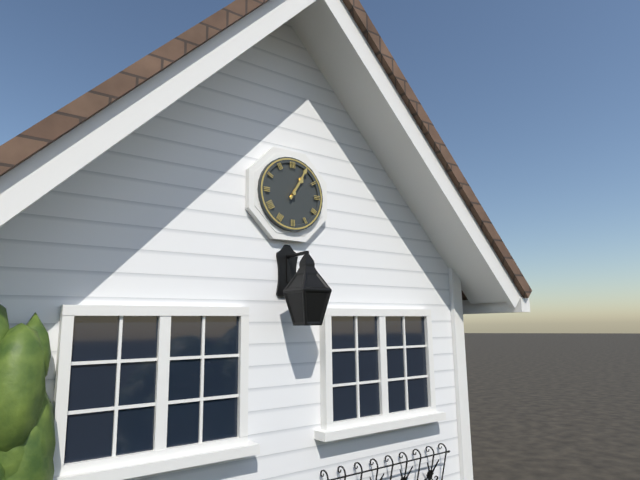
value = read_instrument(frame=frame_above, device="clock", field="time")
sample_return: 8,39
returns 1,05
